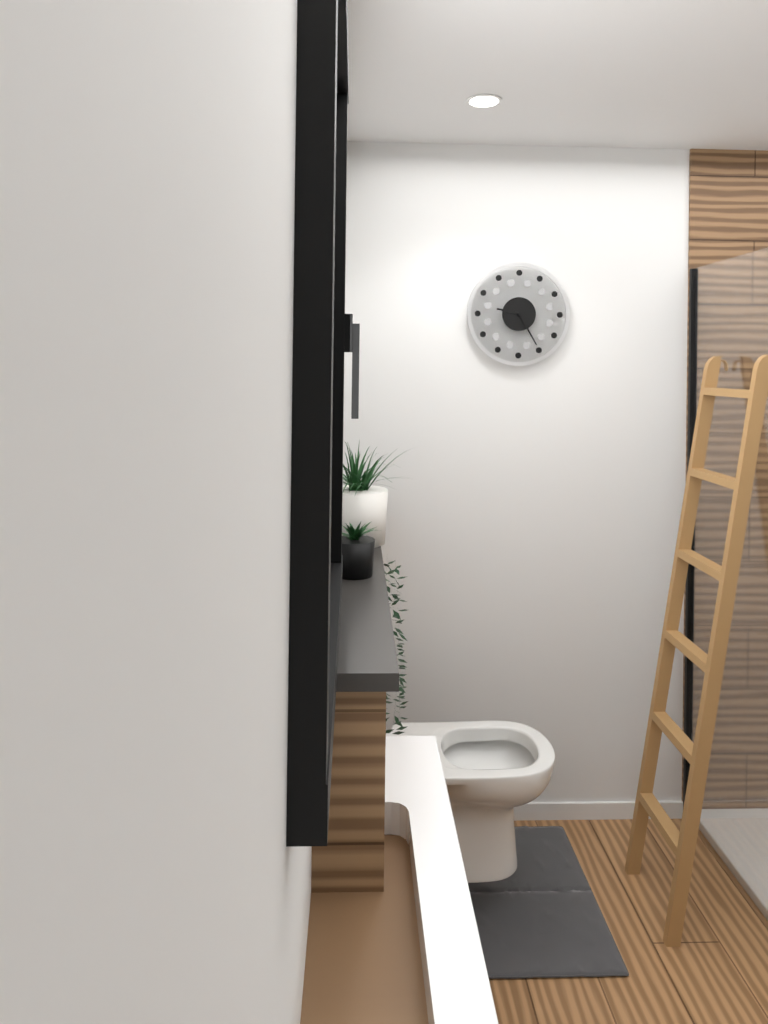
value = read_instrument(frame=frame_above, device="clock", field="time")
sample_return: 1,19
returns 9,25
